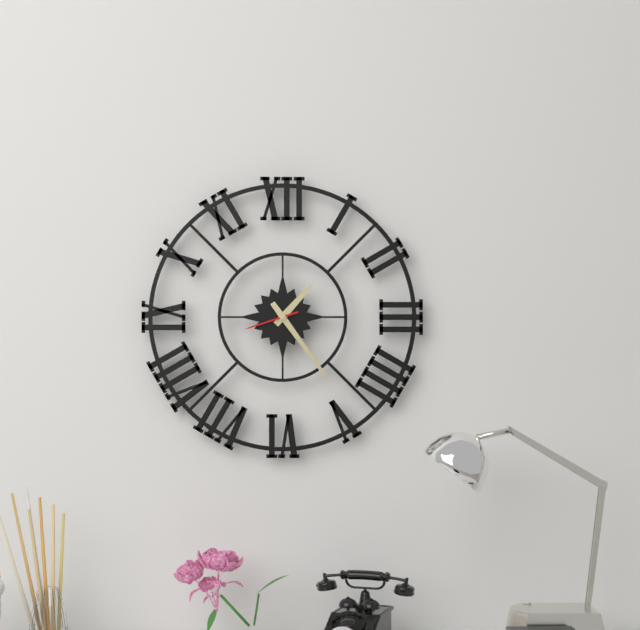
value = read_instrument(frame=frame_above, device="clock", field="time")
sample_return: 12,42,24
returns 1,24,42
